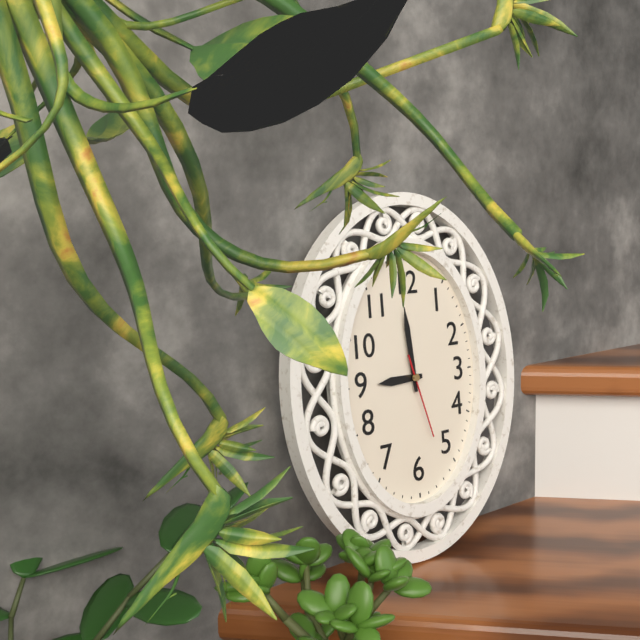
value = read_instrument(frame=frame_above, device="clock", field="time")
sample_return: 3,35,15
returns 8,59,27
